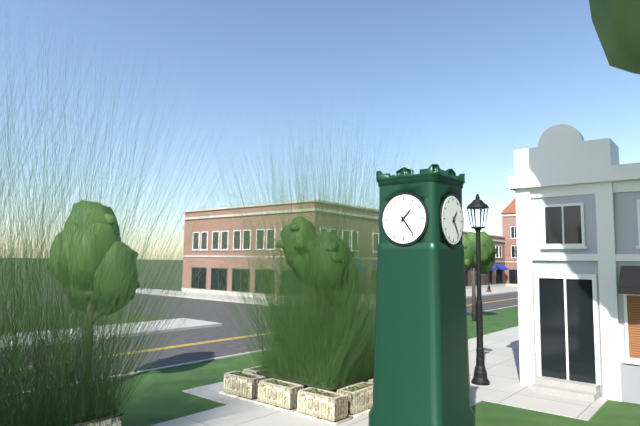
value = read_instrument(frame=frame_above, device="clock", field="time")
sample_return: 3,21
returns 1,24
